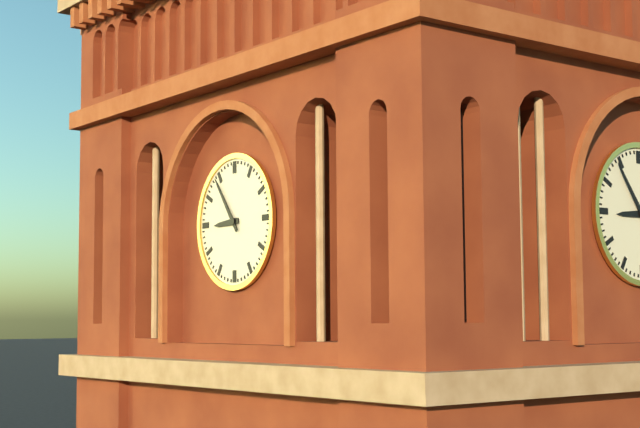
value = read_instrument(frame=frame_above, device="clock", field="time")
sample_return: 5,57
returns 8,54
